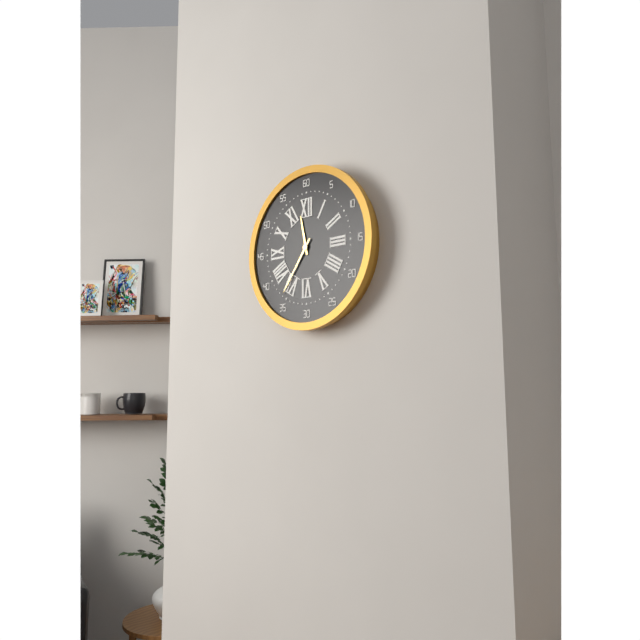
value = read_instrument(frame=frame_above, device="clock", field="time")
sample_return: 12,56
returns 11,36
